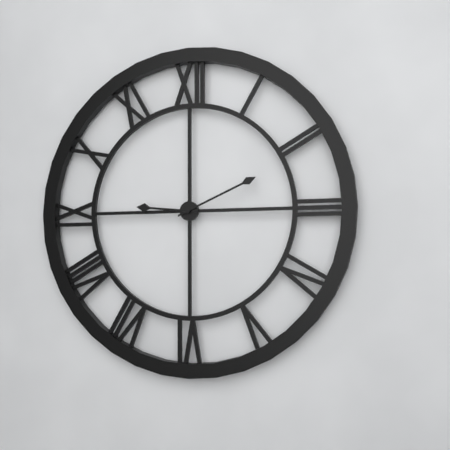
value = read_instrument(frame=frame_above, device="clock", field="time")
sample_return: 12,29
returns 9,11
